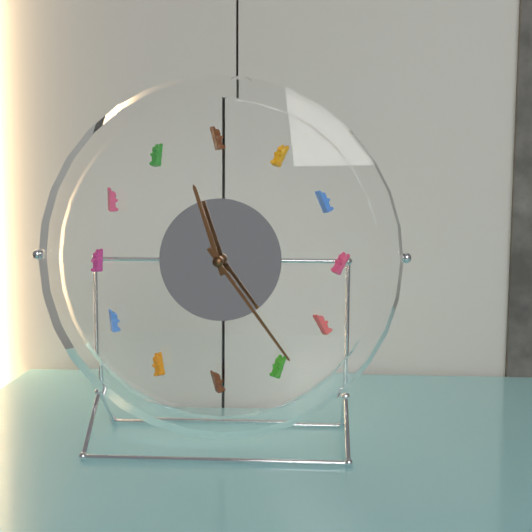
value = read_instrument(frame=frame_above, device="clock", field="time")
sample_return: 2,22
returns 11,24
